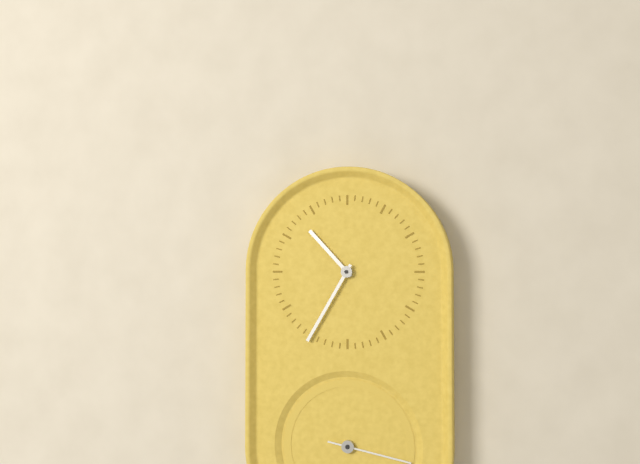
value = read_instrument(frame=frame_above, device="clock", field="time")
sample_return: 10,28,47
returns 10,35,17
